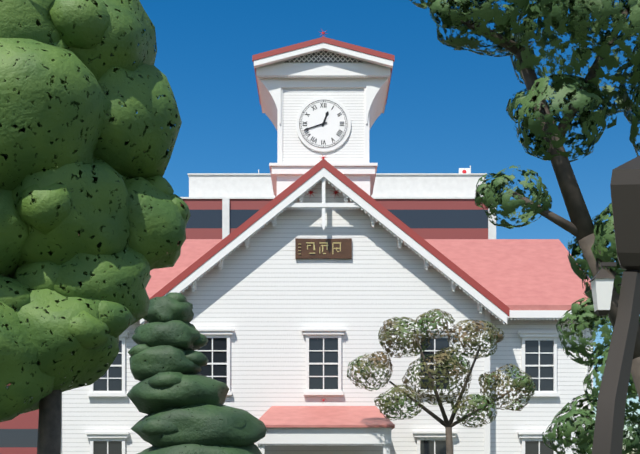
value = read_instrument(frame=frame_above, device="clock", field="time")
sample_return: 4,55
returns 12,42
